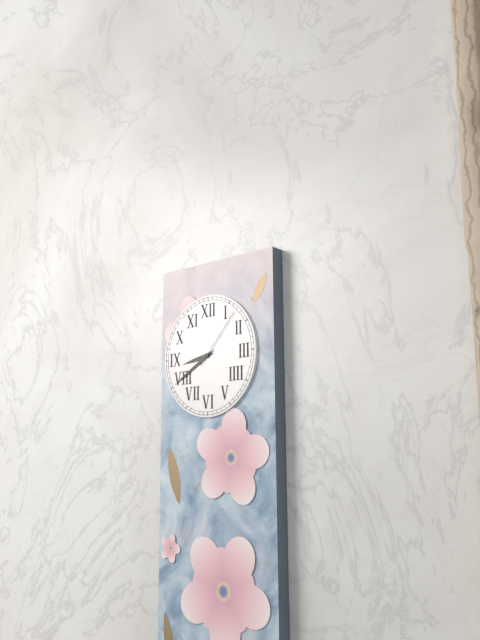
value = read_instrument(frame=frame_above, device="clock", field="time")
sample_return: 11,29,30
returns 8,40,07
